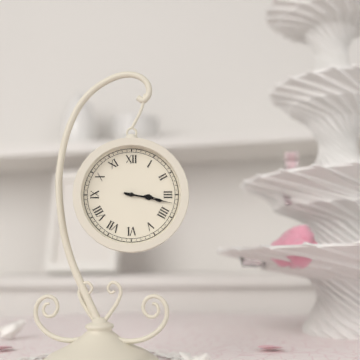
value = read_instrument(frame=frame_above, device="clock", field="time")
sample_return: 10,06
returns 3,17
